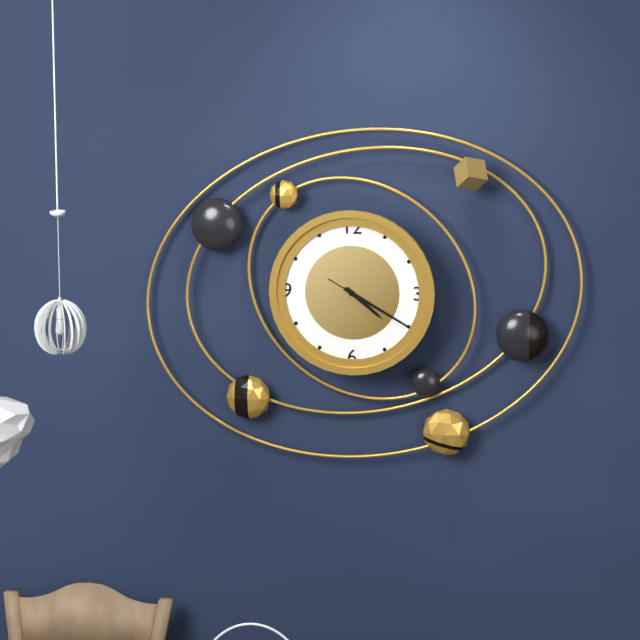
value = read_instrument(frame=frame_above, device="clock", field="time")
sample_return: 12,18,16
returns 4,20,20
